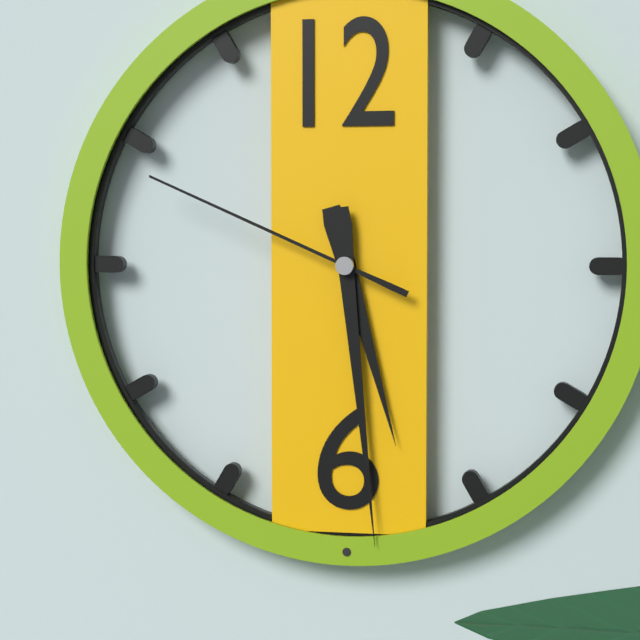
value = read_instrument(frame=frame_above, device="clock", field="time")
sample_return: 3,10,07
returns 5,29,49
